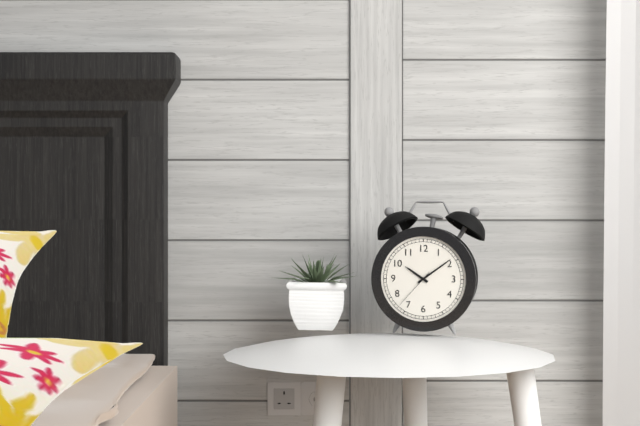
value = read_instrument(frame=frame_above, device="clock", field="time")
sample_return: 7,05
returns 10,09
